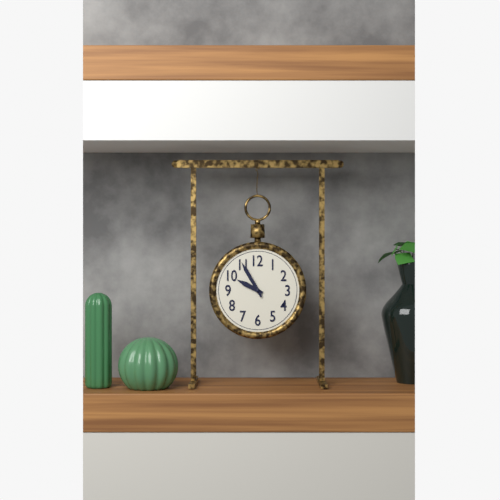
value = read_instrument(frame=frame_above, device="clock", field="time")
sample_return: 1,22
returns 9,55
